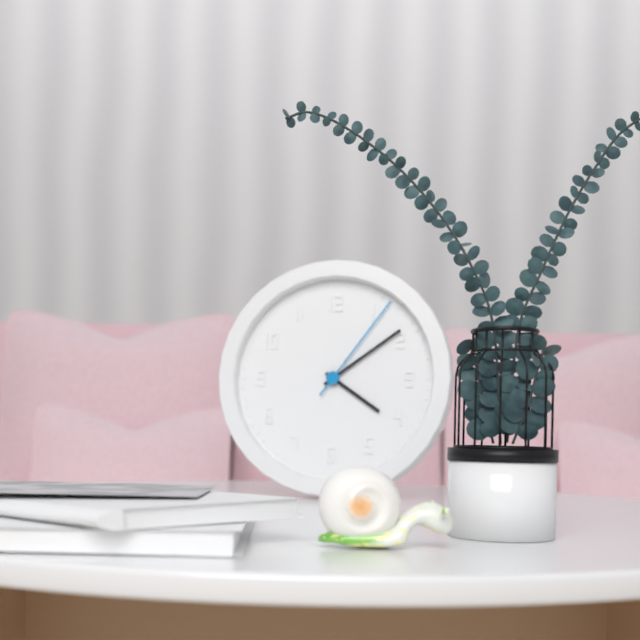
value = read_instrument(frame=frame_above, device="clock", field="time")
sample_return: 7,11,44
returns 4,09,06
